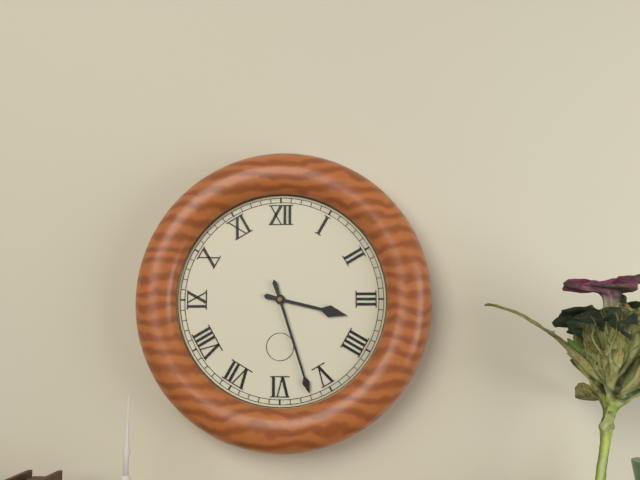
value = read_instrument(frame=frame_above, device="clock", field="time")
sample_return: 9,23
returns 3,27
